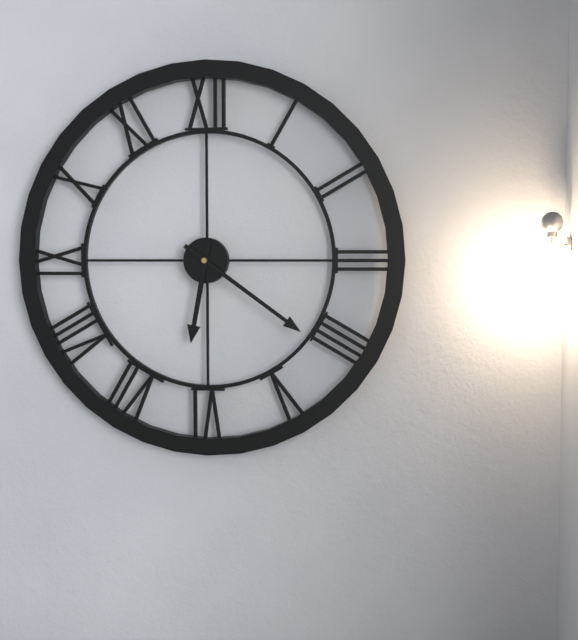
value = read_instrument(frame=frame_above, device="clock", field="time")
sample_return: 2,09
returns 6,21
